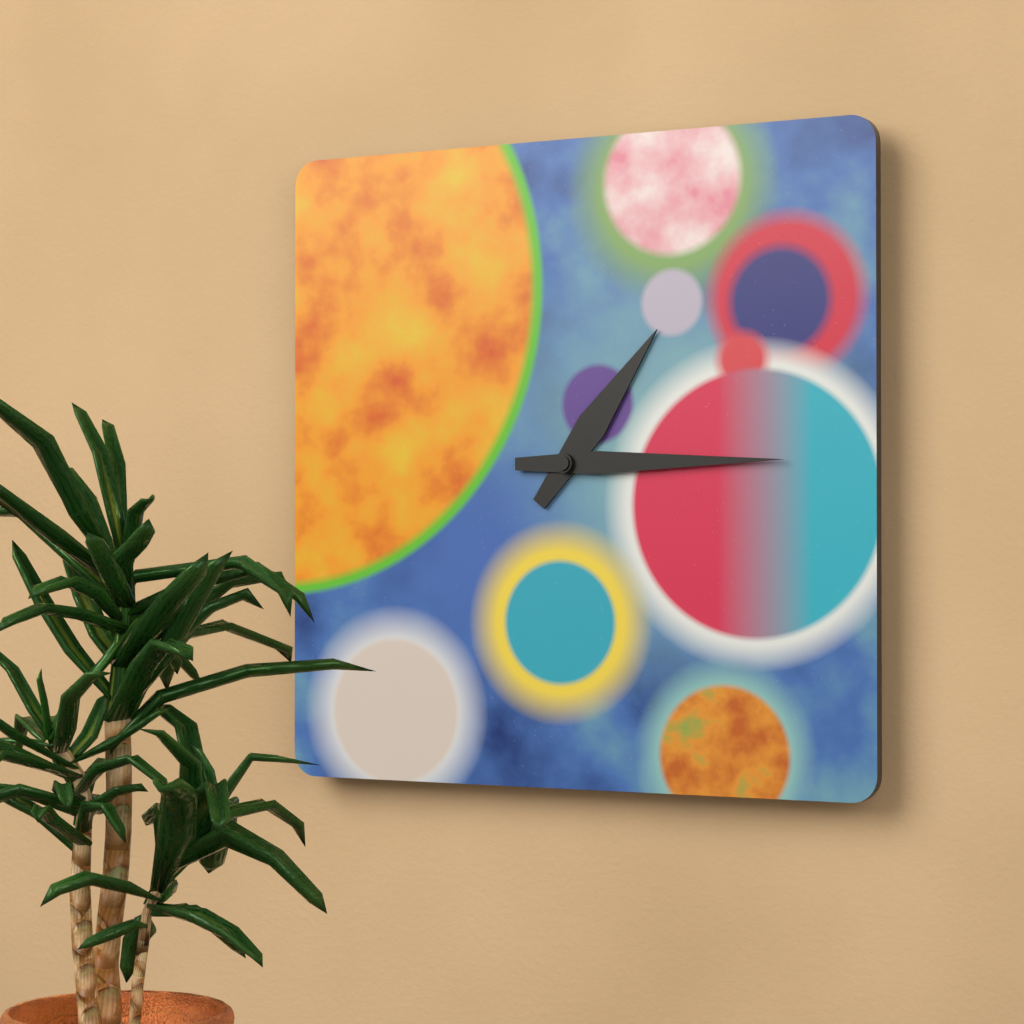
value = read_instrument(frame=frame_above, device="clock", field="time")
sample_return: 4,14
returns 1,15
